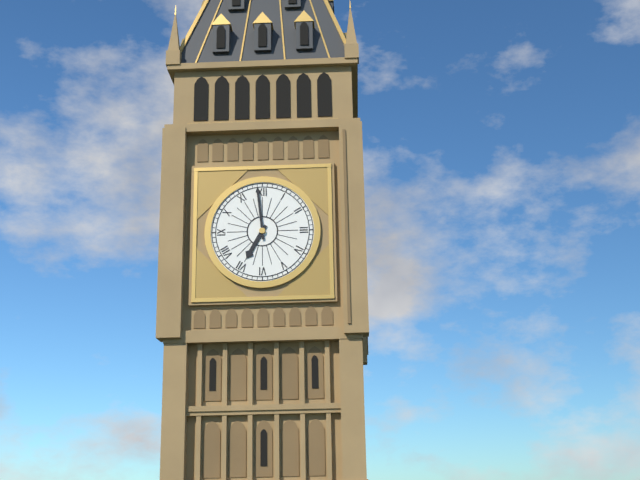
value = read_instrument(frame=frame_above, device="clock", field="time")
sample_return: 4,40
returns 6,59
